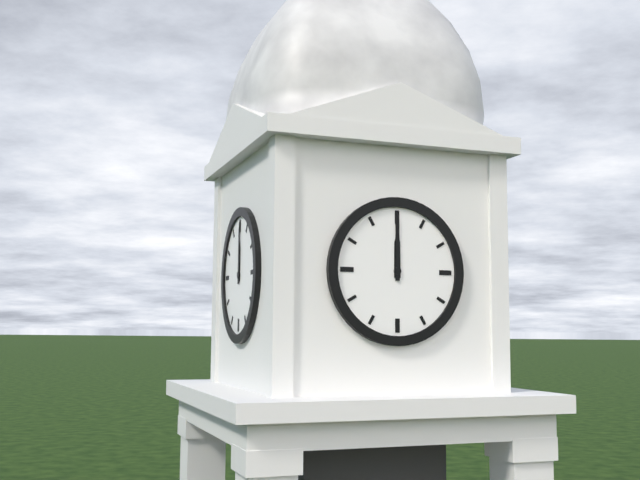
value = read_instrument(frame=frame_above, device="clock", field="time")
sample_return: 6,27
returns 12,00
